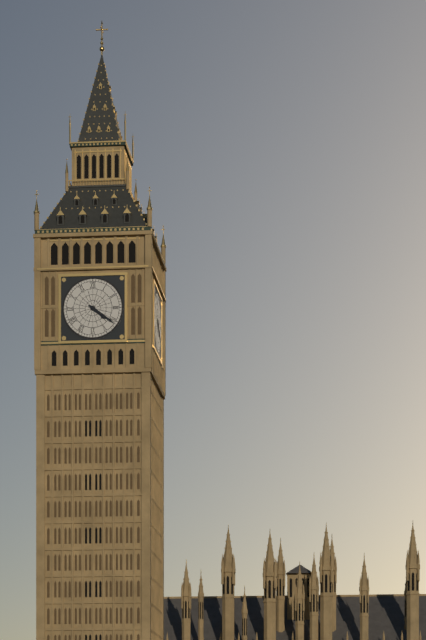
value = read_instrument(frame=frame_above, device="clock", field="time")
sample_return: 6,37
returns 4,21
